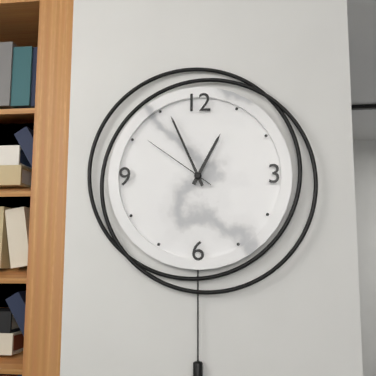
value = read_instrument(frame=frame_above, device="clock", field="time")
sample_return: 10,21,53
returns 12,56,51
